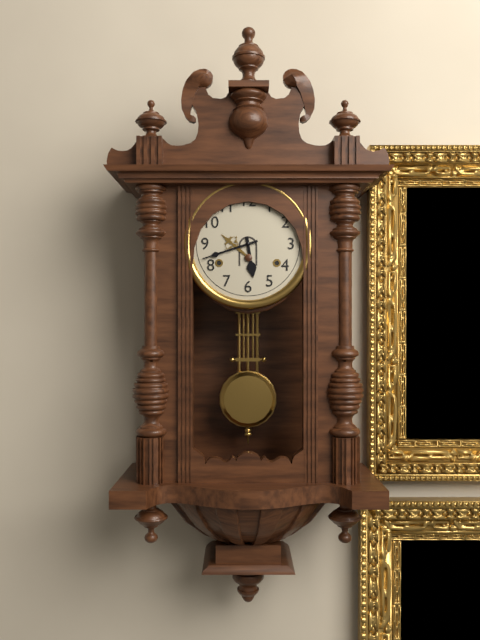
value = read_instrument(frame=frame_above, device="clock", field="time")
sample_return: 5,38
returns 5,42
